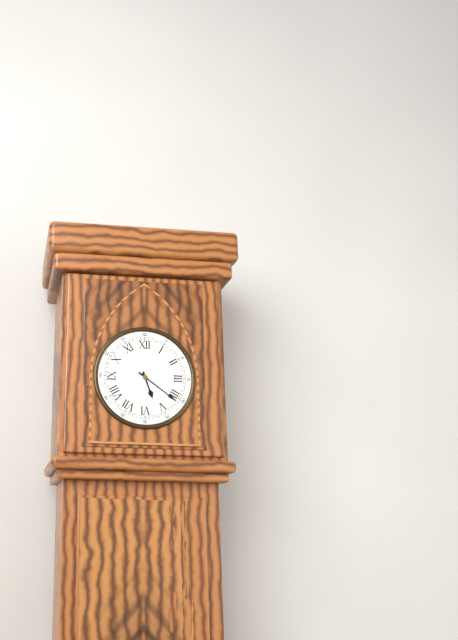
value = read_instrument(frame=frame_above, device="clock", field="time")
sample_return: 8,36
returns 5,21
